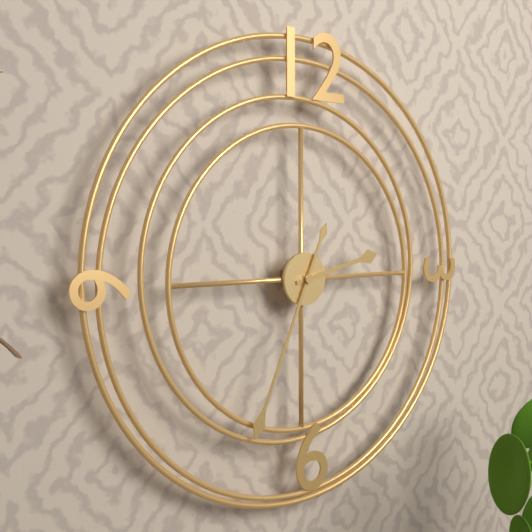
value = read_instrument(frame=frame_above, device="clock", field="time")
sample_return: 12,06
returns 2,34
